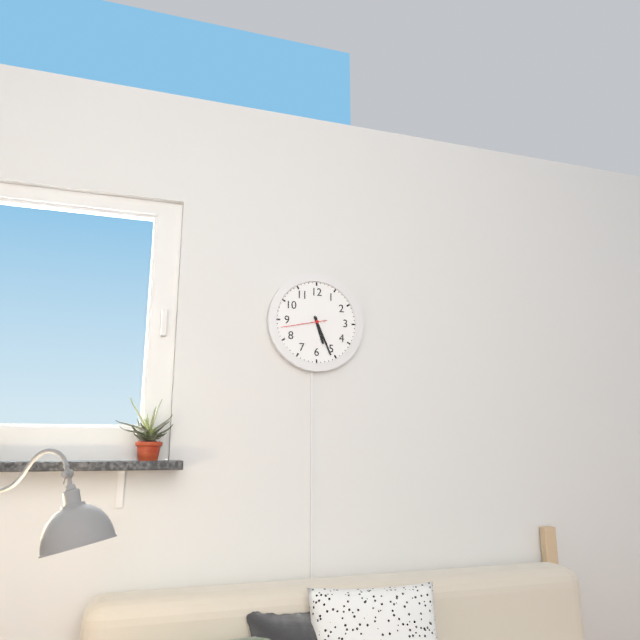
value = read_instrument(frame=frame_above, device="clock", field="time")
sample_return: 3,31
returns 5,26
